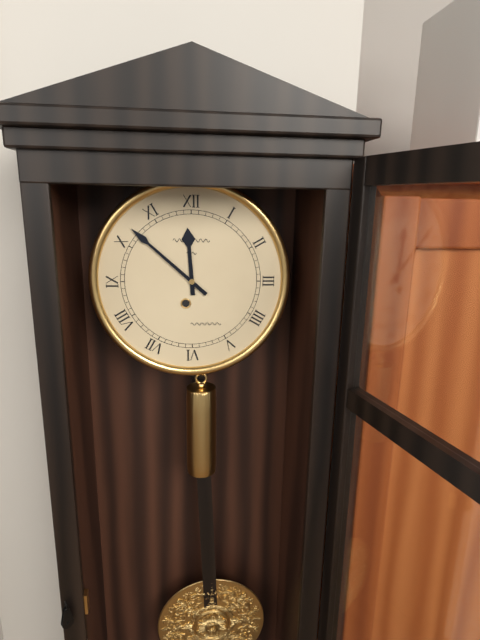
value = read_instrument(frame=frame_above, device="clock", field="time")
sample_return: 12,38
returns 11,52
